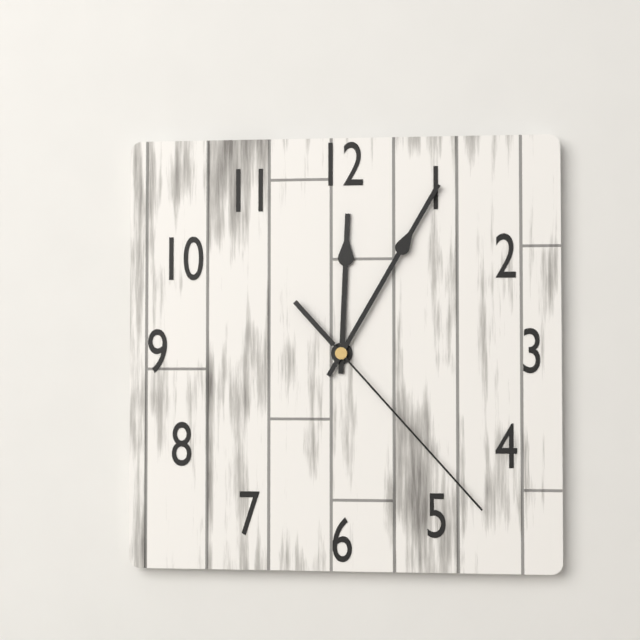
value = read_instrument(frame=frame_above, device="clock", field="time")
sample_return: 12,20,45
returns 12,05,23
